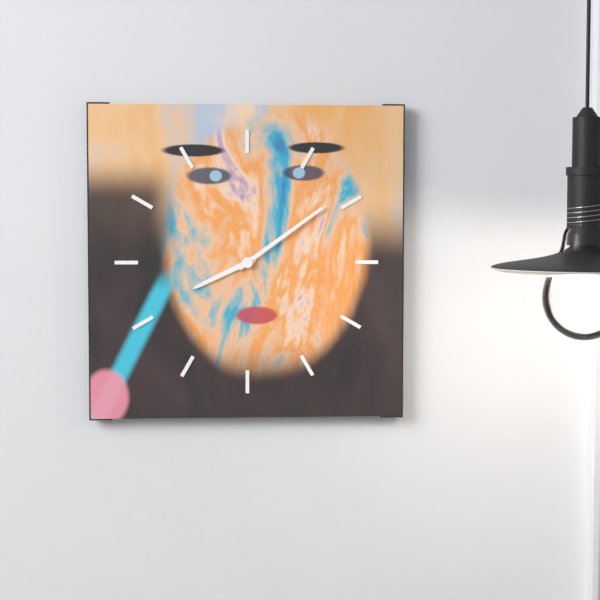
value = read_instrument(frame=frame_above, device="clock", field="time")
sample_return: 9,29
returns 8,09
